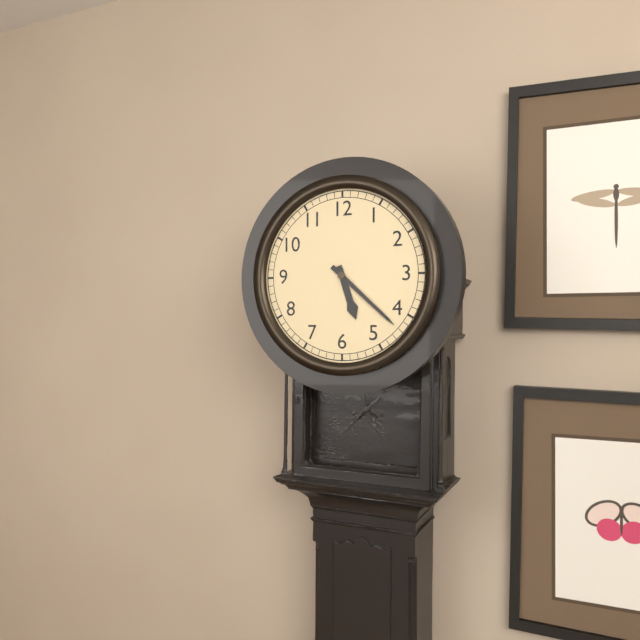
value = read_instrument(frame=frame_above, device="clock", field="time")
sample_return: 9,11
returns 5,22
